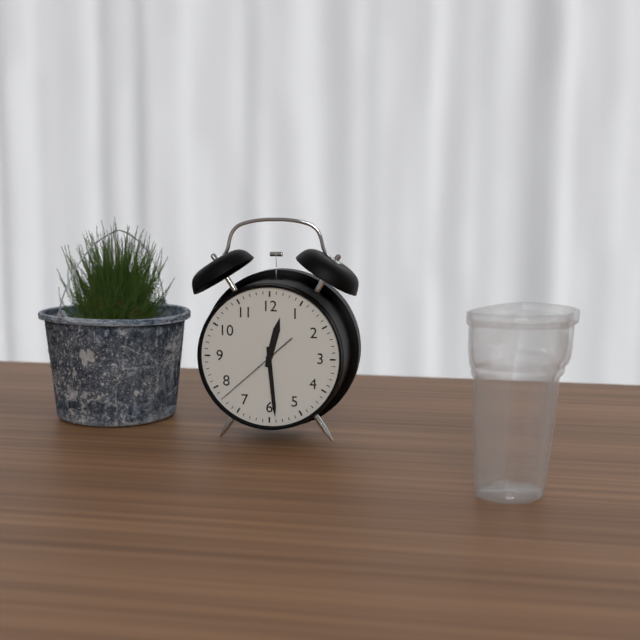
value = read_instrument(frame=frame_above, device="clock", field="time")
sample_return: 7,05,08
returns 12,29,38
